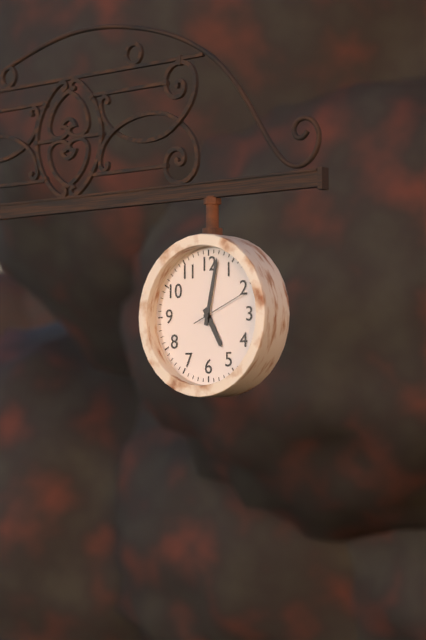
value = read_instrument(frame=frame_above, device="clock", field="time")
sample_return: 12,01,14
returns 5,02,11
